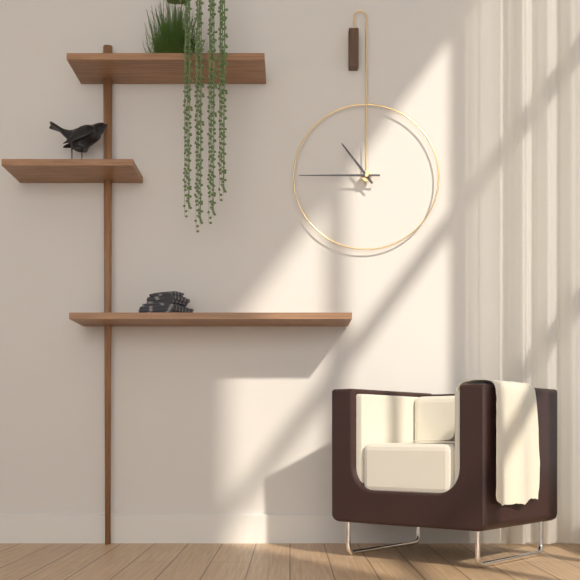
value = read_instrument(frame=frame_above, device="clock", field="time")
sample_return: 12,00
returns 10,45
